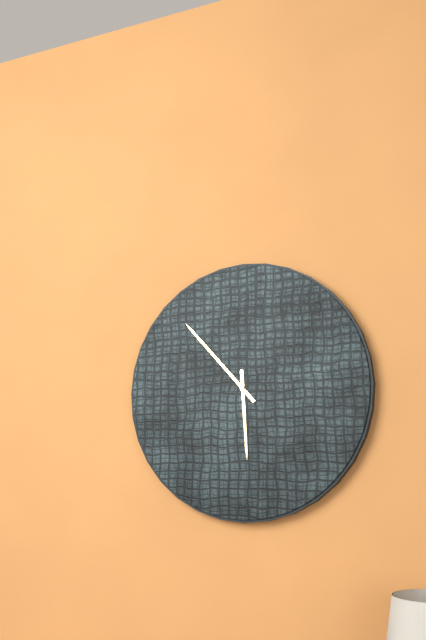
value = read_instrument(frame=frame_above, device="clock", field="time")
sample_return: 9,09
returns 5,53
